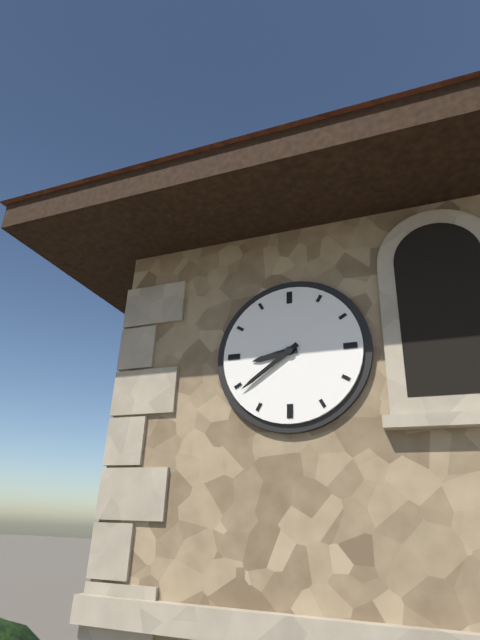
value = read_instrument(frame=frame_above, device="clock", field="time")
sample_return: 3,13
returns 8,39
